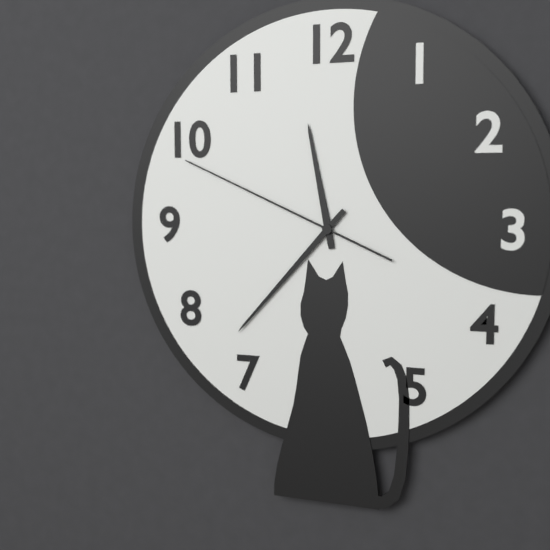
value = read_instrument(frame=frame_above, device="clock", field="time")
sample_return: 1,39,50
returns 11,37,49
